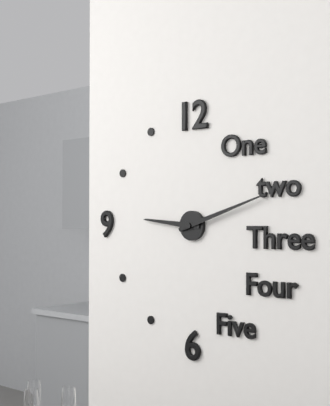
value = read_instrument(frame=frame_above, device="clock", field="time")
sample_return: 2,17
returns 9,12
